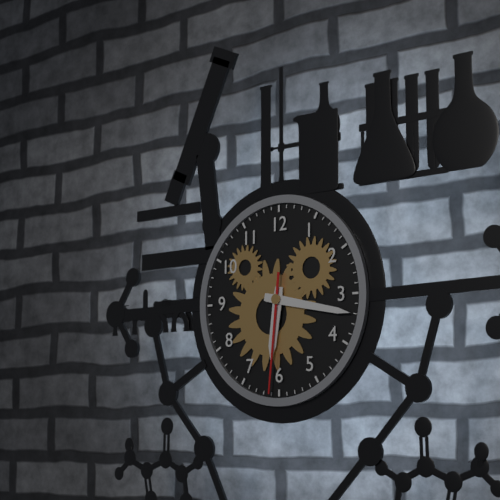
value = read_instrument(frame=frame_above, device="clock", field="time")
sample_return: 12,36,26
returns 6,17,31
